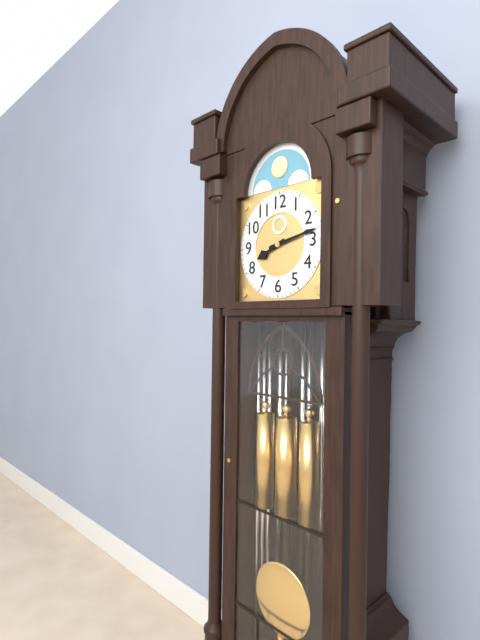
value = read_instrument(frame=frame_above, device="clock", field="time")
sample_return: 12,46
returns 8,13
